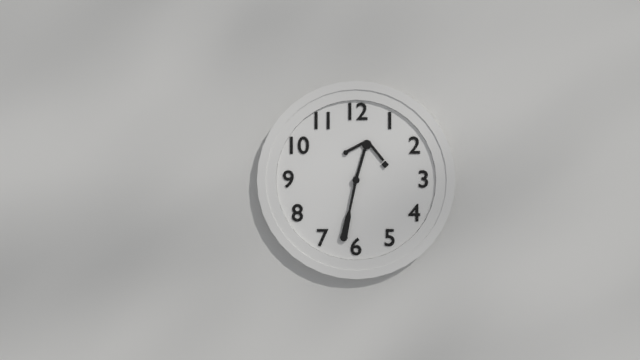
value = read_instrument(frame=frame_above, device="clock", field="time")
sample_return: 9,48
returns 12,32
